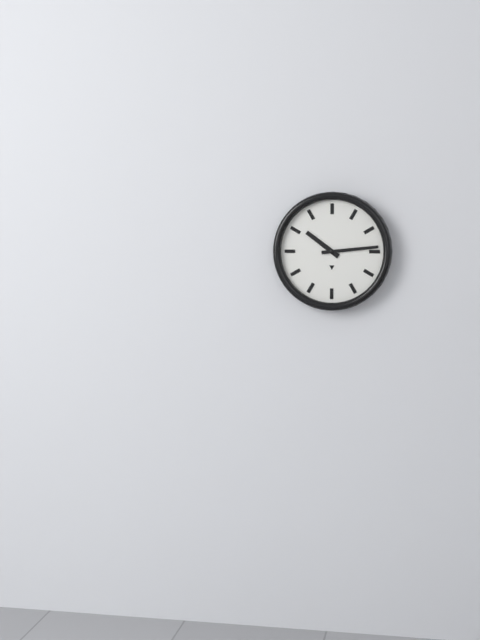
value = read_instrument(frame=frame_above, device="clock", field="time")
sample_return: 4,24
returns 10,14
